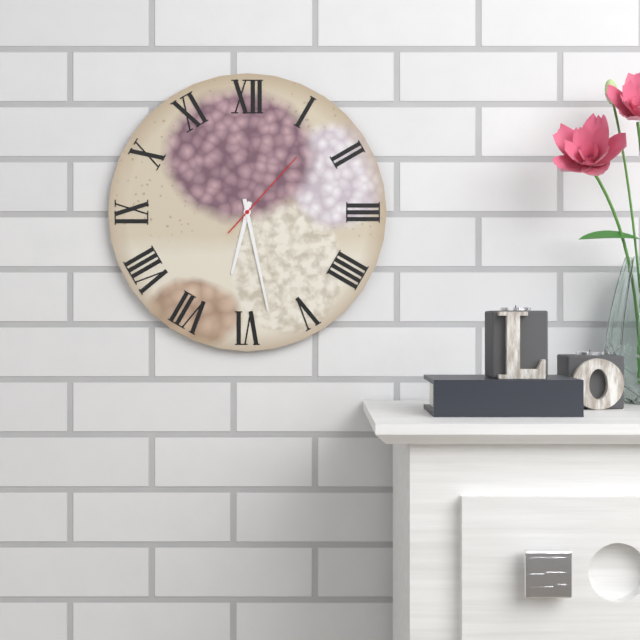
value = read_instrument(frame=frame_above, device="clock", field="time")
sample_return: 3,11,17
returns 6,28,07
